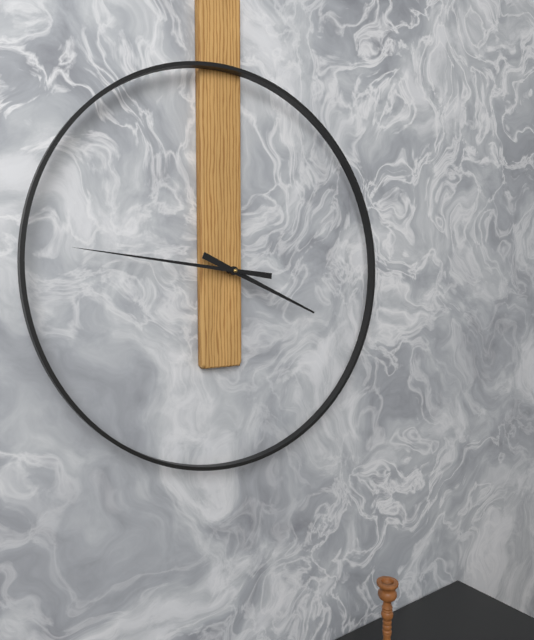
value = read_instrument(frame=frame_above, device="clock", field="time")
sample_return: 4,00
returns 3,46
